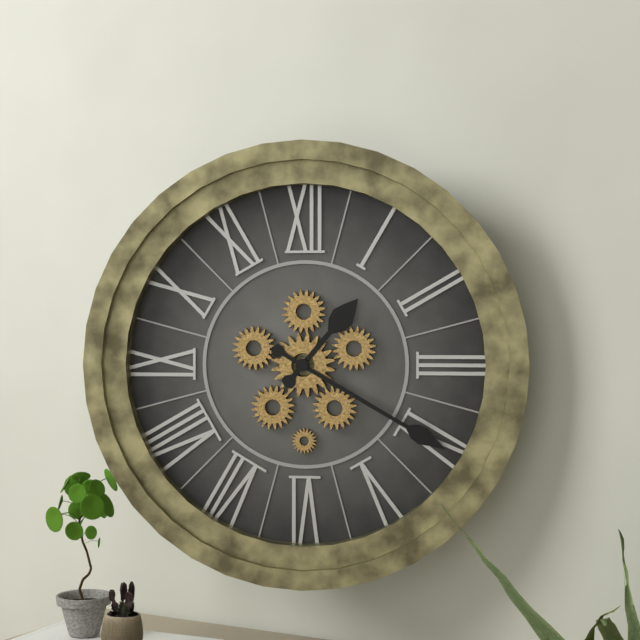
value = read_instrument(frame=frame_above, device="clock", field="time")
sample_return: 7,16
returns 1,20
